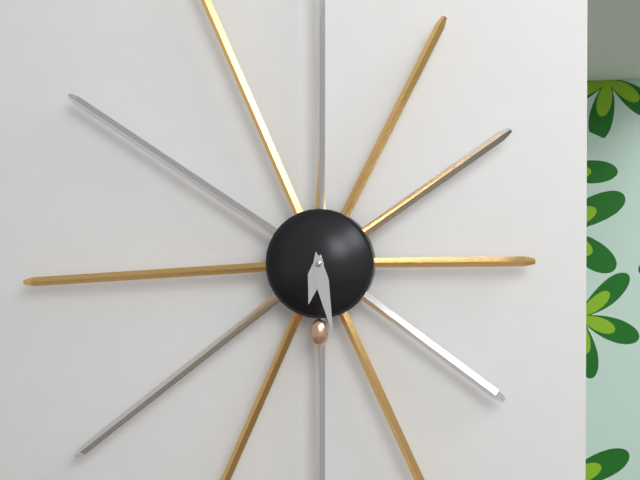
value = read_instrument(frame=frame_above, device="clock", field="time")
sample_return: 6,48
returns 6,28
